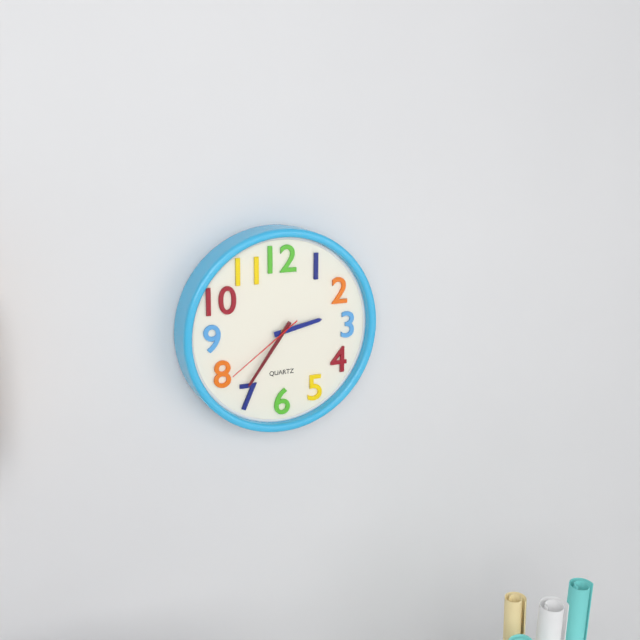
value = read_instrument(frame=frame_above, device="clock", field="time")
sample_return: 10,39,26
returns 2,36,39
